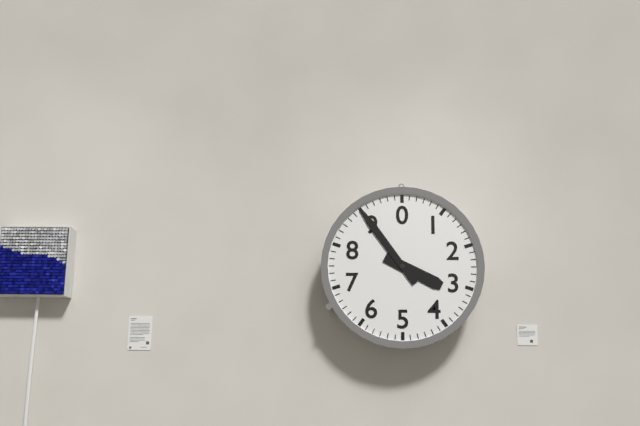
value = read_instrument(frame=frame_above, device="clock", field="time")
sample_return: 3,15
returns 3,54
